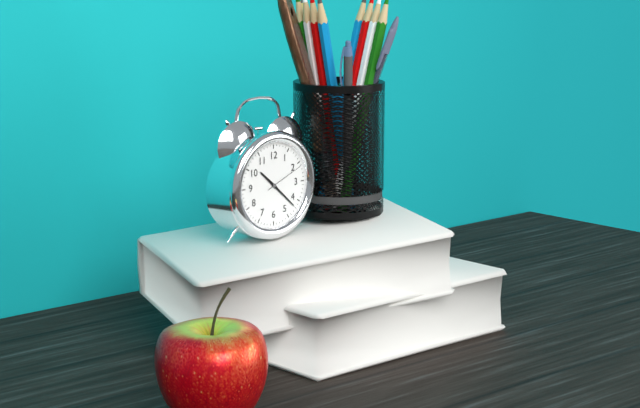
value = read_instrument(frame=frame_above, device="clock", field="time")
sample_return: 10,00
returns 10,22
